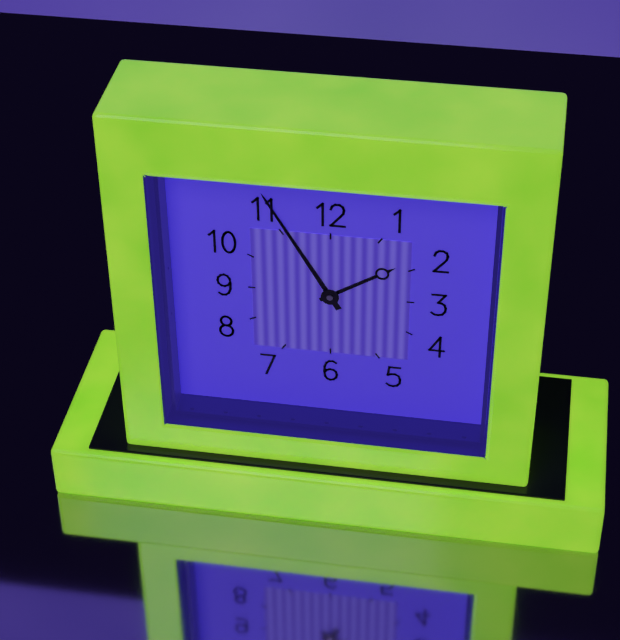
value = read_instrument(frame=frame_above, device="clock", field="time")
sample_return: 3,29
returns 1,55
